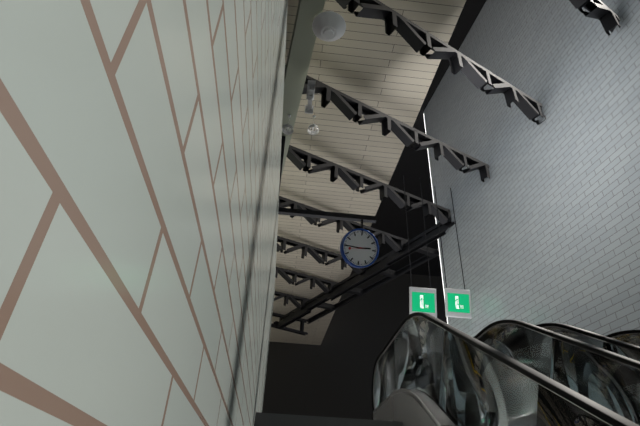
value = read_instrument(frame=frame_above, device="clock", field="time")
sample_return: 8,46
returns 2,45
